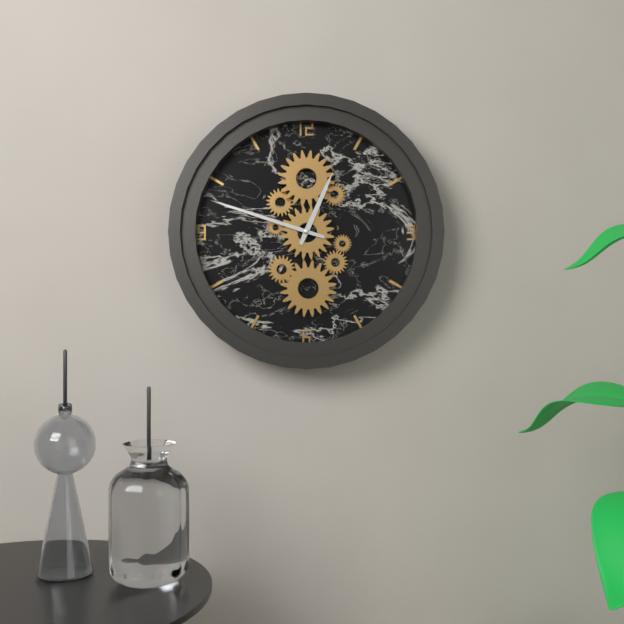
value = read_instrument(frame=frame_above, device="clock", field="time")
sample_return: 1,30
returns 12,48
